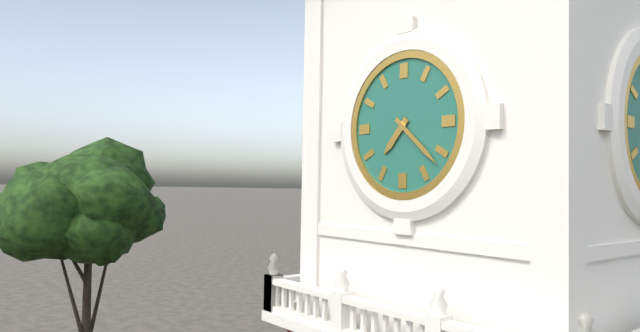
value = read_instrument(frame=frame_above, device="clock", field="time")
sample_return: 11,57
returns 7,22
